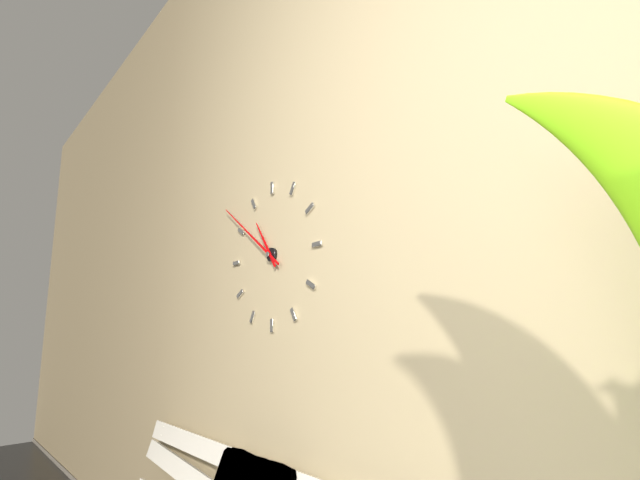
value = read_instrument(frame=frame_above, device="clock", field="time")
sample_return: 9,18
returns 10,51
